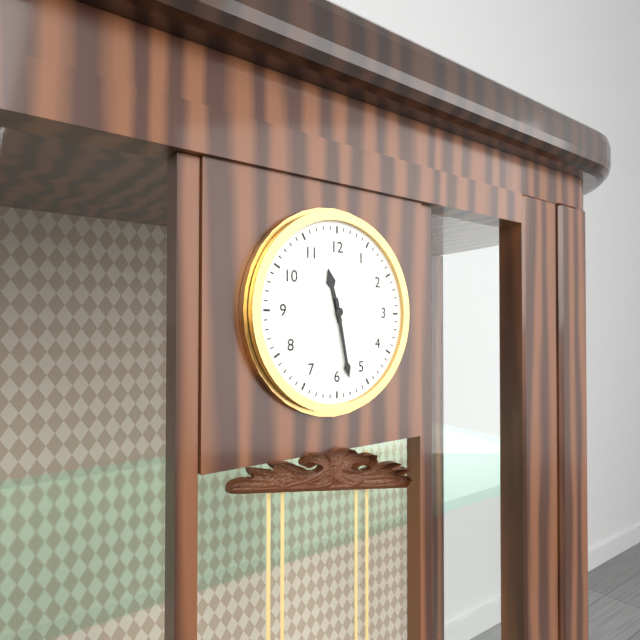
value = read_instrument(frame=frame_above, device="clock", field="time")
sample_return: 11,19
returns 11,28
